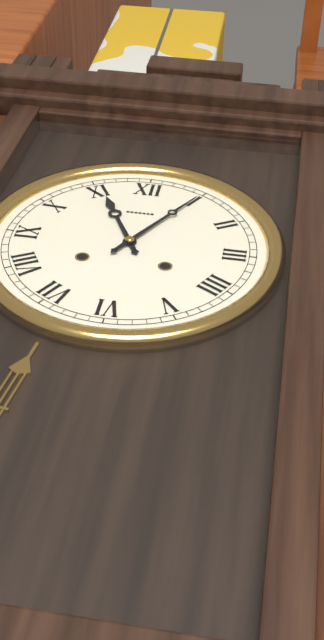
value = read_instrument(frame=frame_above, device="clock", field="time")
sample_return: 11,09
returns 11,05
